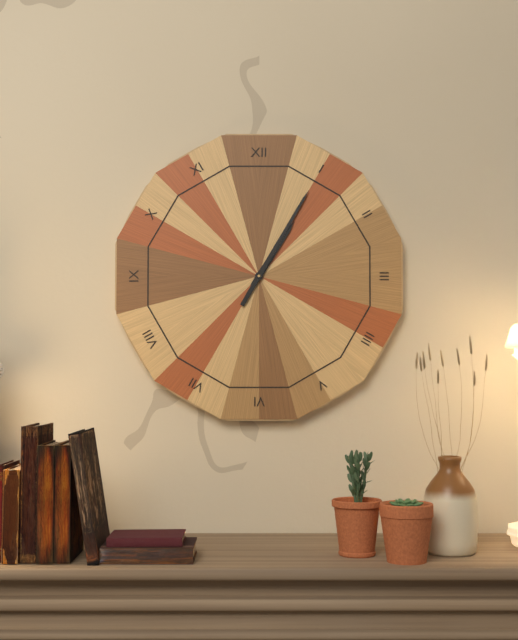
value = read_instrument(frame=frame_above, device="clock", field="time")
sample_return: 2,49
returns 1,05
